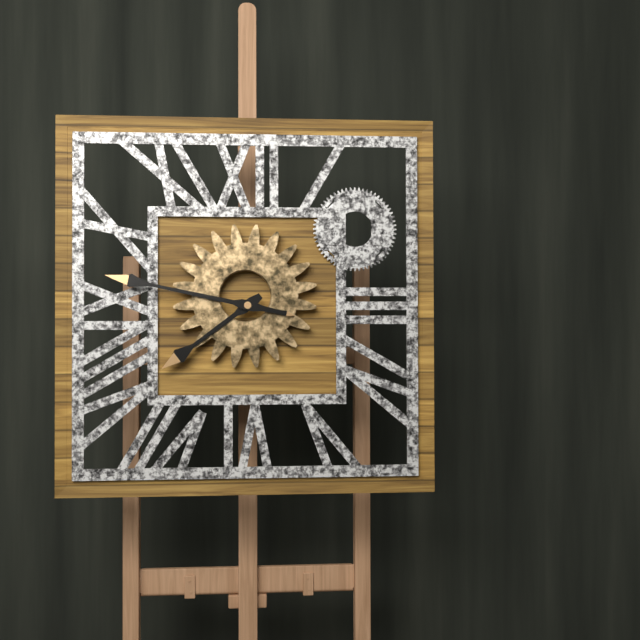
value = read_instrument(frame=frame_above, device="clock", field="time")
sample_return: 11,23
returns 7,47
